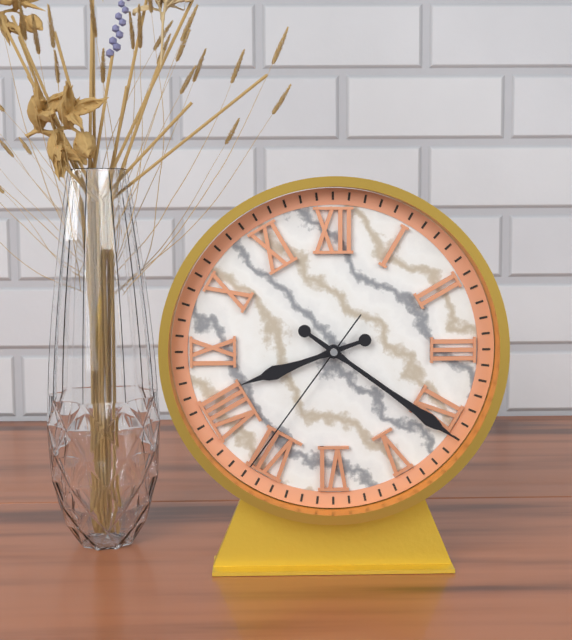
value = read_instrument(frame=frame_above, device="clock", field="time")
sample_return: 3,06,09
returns 8,21,36
